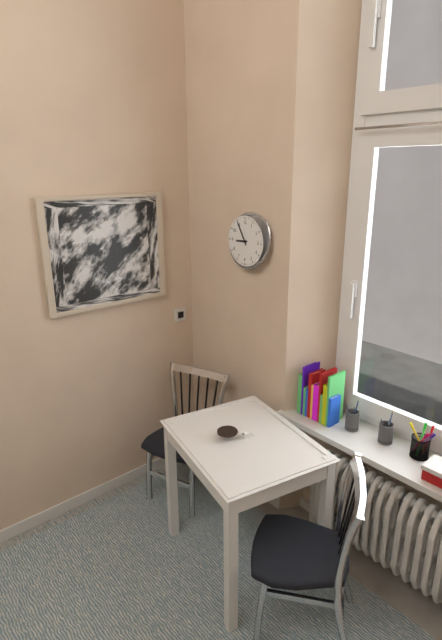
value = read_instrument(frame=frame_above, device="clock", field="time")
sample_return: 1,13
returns 8,55
